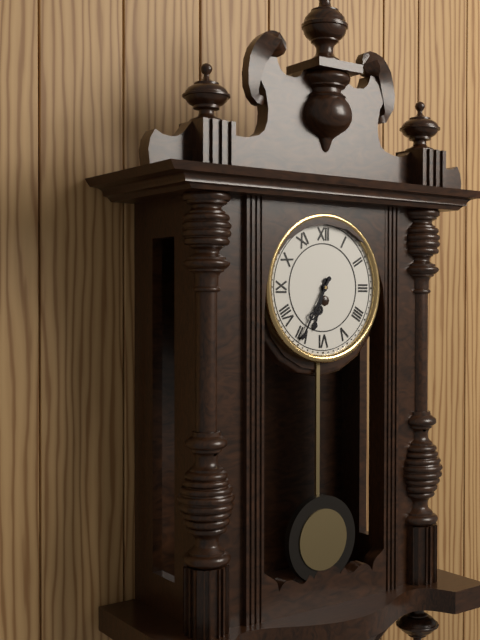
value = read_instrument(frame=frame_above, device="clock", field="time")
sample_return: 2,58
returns 6,35
